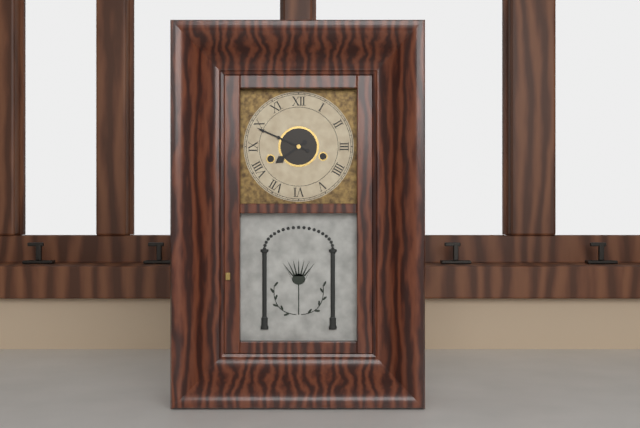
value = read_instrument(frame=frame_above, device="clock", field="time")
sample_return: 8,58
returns 7,49
